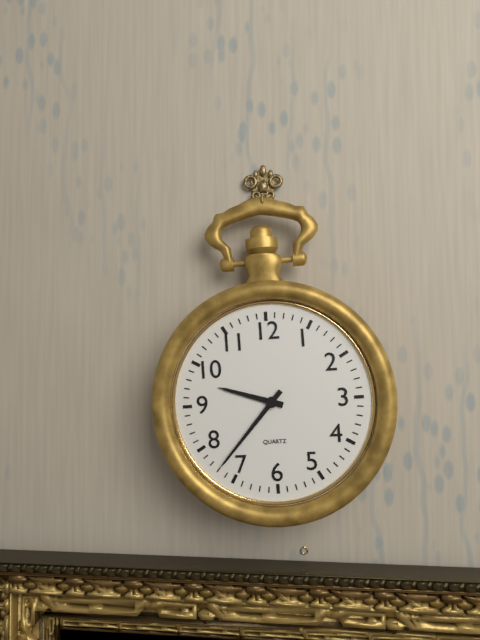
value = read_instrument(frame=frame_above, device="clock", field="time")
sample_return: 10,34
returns 9,37
